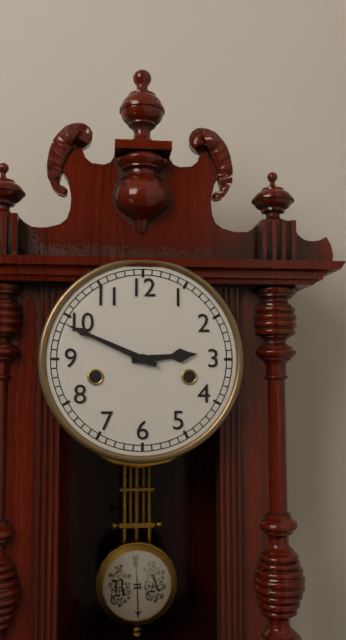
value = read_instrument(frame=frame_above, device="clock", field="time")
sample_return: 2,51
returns 2,49
